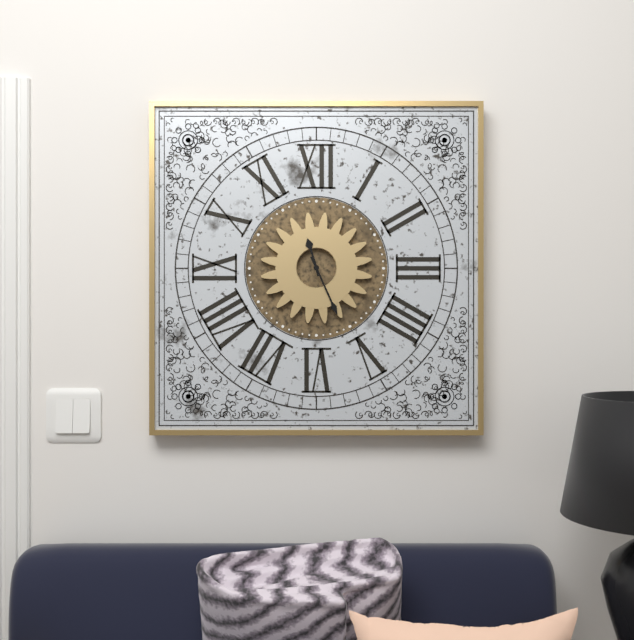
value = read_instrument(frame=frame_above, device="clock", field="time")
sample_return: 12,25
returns 11,26
